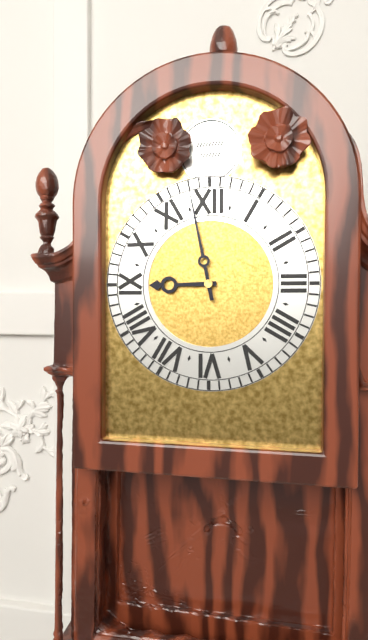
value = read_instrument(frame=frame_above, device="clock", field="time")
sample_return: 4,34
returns 8,58
